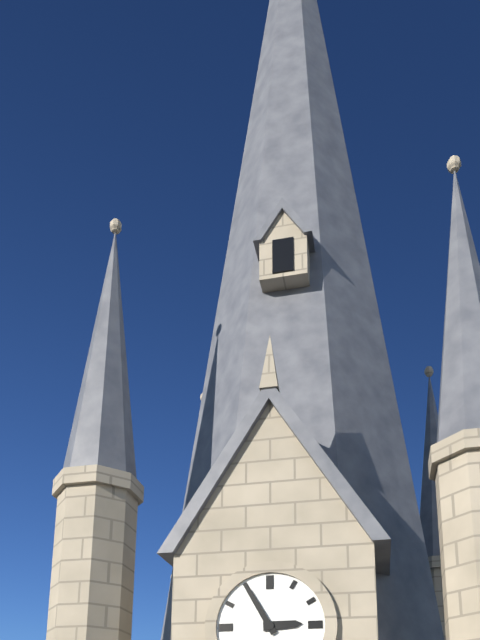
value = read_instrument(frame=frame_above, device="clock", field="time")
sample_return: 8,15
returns 2,55
